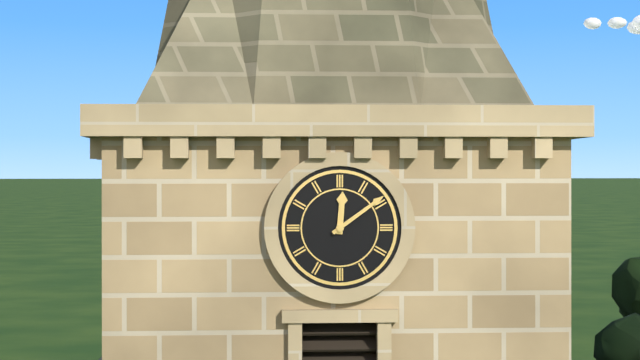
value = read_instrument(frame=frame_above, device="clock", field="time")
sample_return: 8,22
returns 12,09
